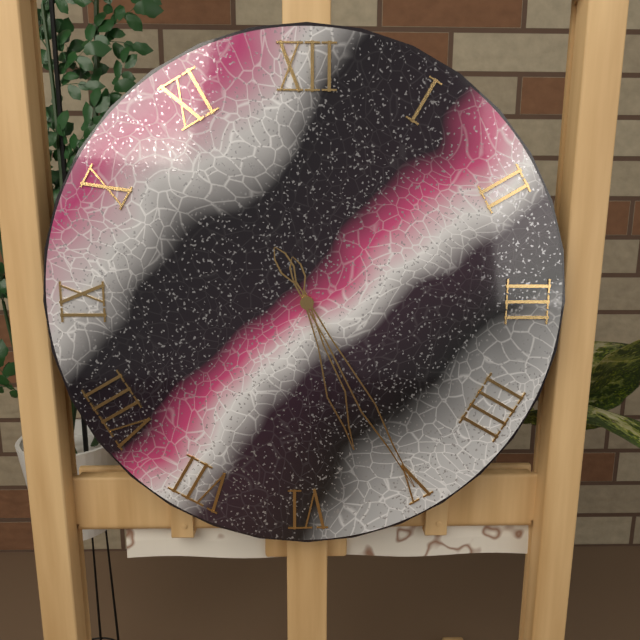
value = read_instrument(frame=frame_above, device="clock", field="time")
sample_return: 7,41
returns 5,25
